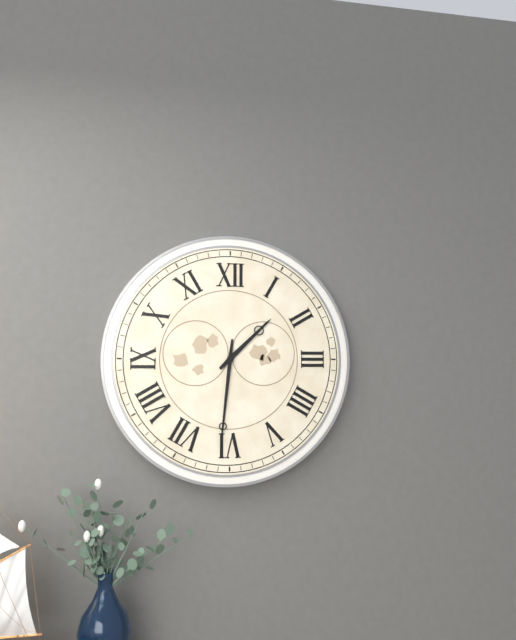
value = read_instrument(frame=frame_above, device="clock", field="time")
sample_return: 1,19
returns 1,31
